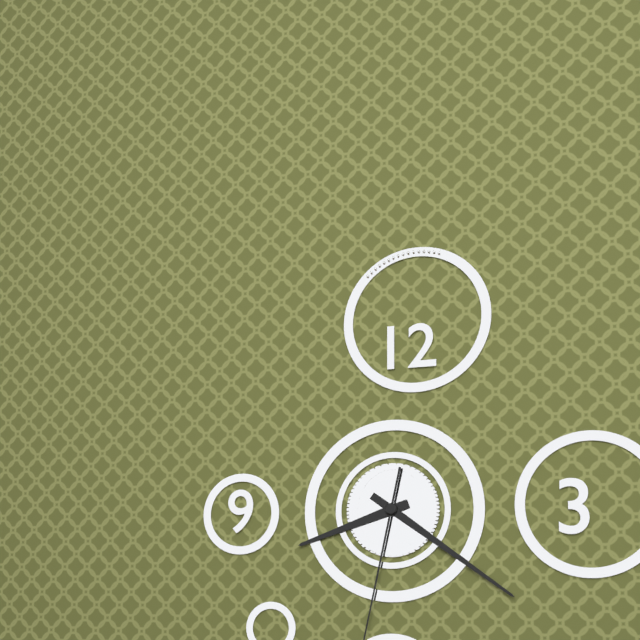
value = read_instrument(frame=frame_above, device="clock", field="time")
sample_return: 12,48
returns 8,21
